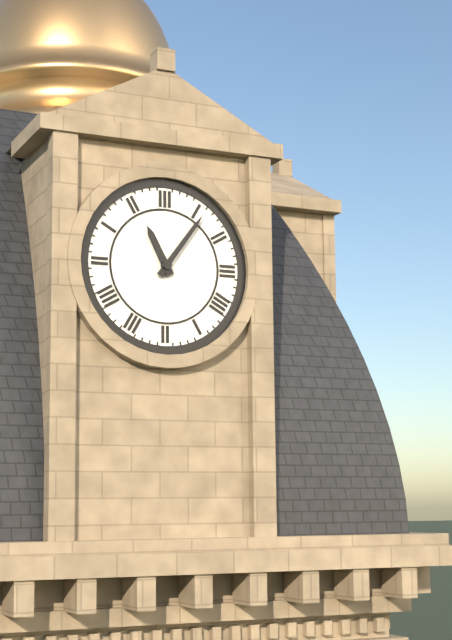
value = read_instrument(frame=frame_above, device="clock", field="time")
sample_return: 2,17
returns 11,06
